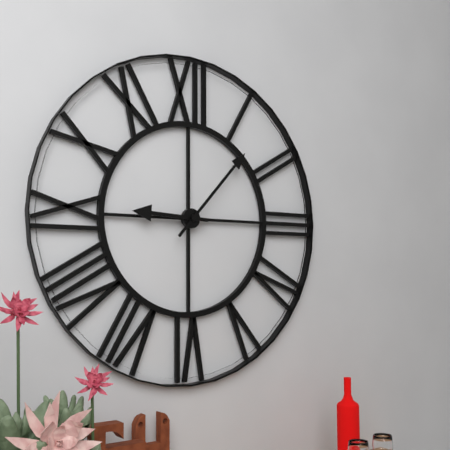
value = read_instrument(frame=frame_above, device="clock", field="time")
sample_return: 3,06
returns 9,07
